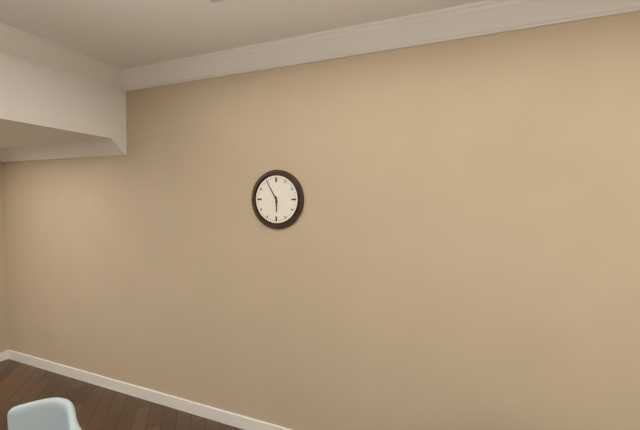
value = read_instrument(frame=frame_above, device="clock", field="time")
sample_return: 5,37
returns 5,55
